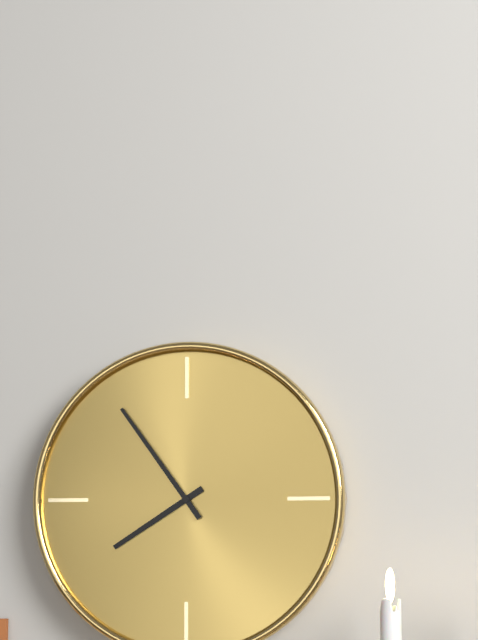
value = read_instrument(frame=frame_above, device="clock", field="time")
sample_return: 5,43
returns 7,54
